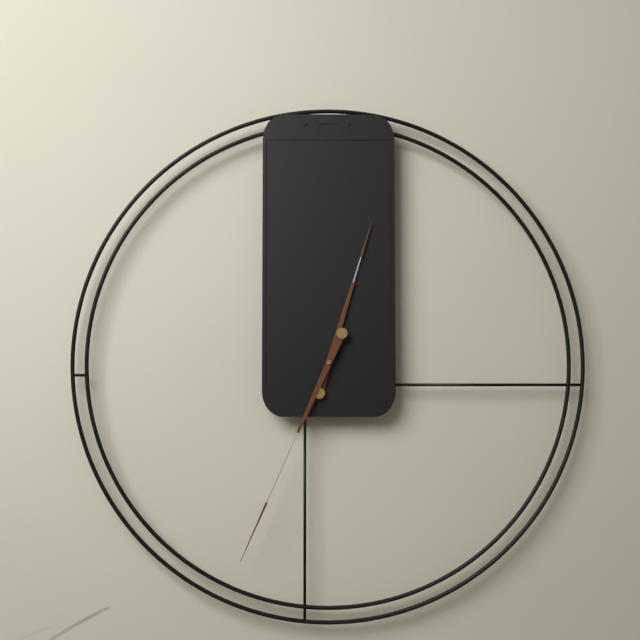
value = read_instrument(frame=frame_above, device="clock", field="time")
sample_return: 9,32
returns 12,34
